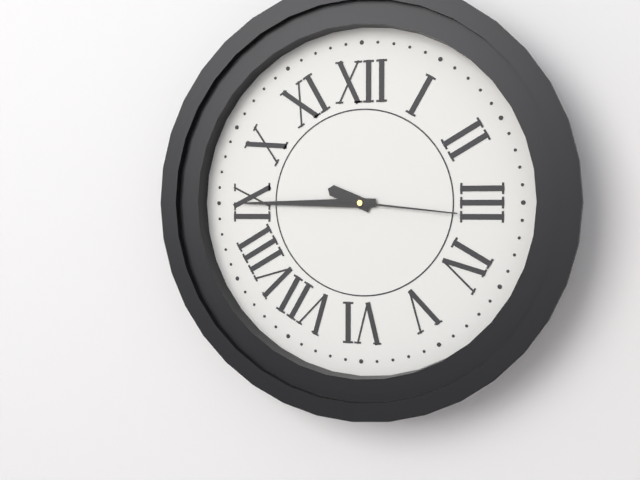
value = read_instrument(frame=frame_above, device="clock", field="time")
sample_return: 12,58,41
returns 9,45,16
